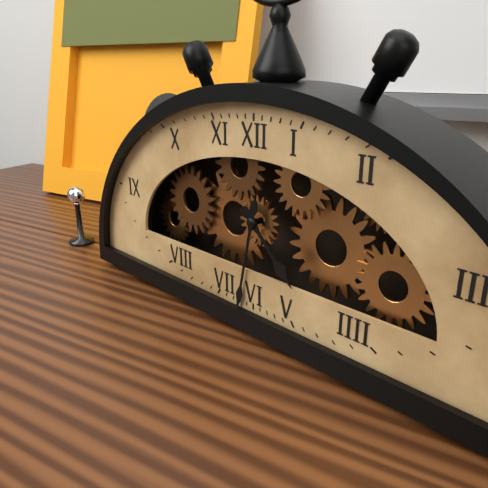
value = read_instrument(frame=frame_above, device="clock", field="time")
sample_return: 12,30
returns 4,32
